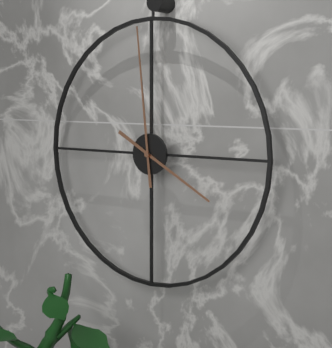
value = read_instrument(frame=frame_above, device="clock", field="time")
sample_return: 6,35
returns 3,59
